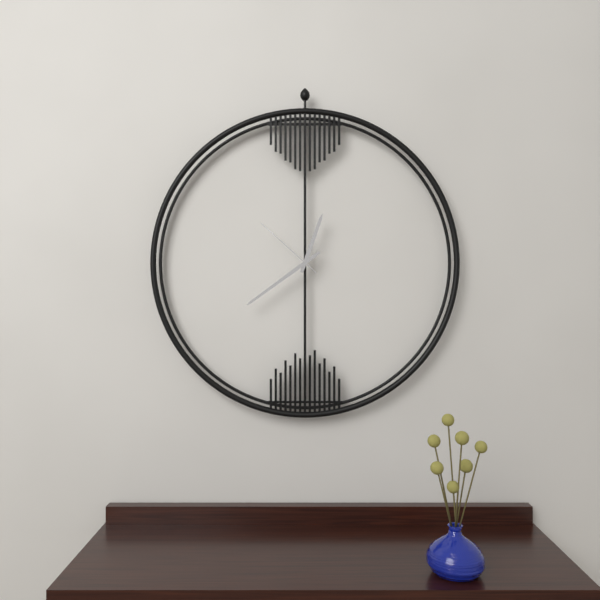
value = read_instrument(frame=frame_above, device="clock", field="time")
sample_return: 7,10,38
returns 12,39,52
